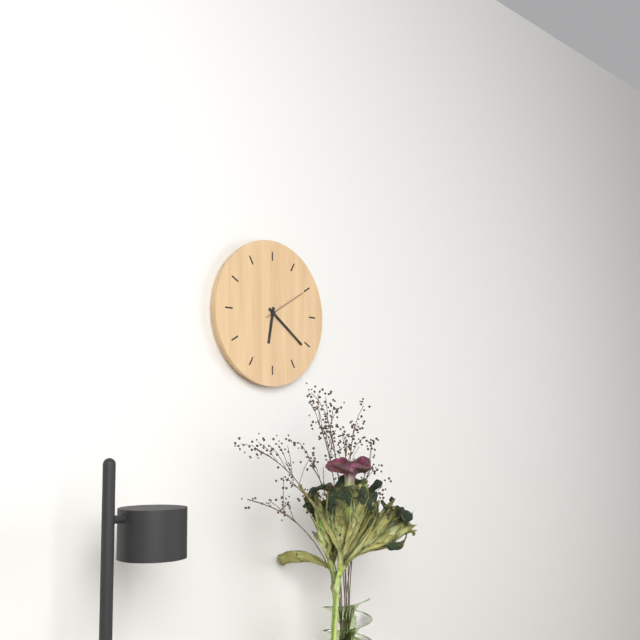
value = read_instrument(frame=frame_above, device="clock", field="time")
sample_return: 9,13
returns 6,21
